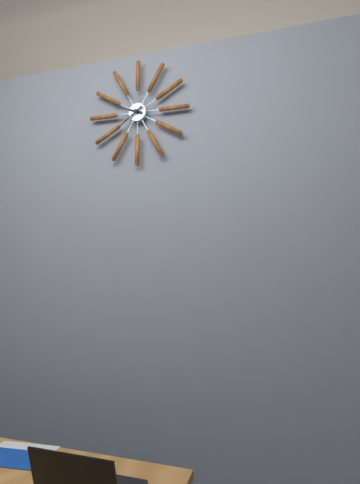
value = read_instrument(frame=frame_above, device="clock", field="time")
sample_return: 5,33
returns 9,39
